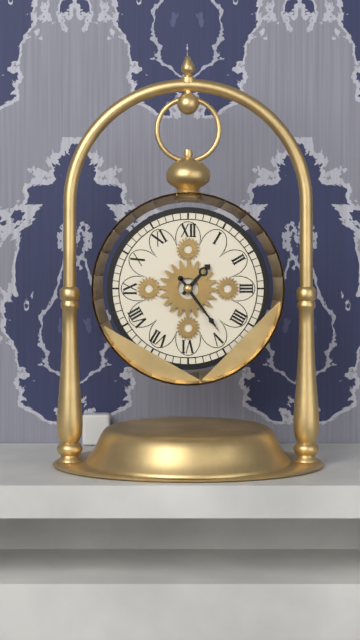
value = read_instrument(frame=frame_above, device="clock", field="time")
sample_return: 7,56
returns 1,24
